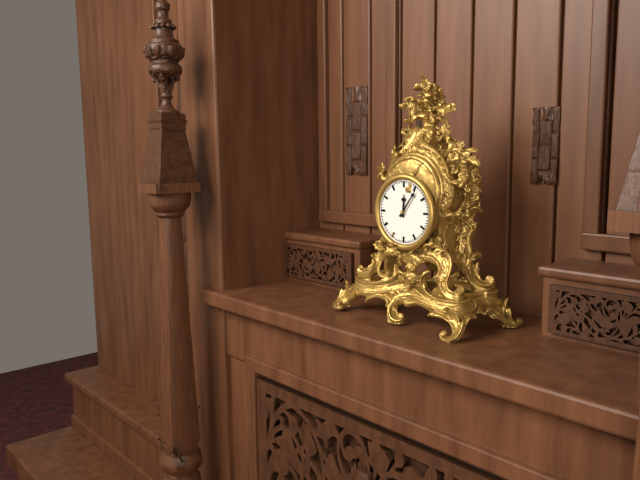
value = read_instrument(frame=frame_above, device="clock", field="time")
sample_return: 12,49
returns 12,06
